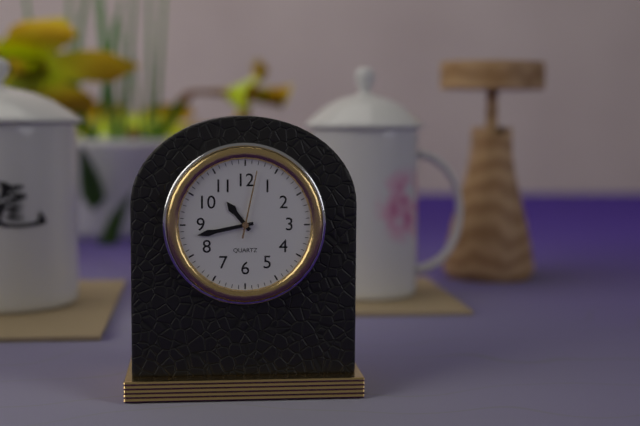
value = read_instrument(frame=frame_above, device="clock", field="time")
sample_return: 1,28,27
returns 10,43,02
